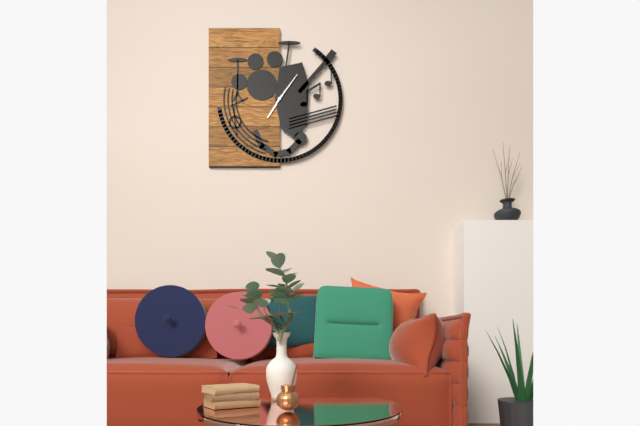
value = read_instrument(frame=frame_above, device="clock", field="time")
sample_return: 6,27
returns 7,06
